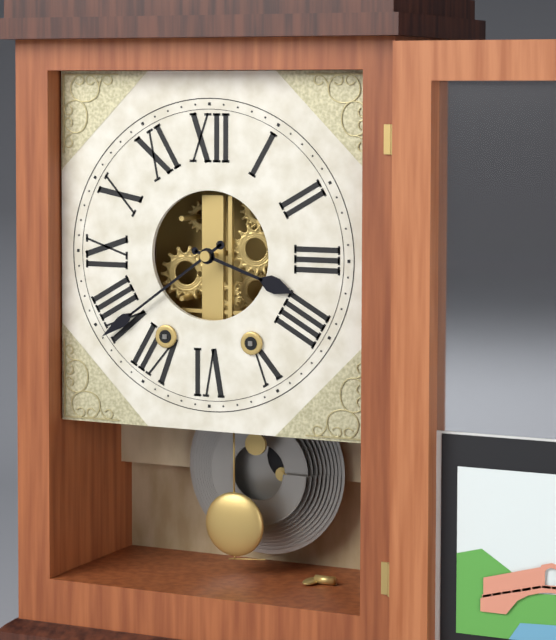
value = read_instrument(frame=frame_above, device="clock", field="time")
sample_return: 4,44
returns 3,39
